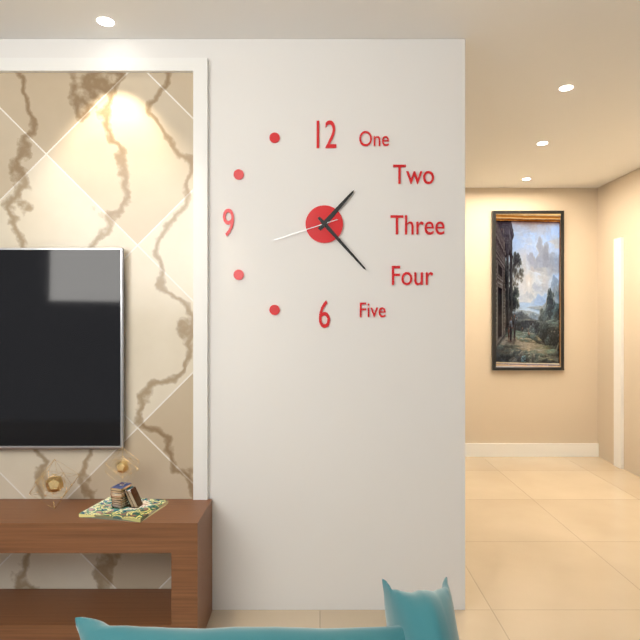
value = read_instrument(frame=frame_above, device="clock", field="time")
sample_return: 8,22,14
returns 1,23,42
